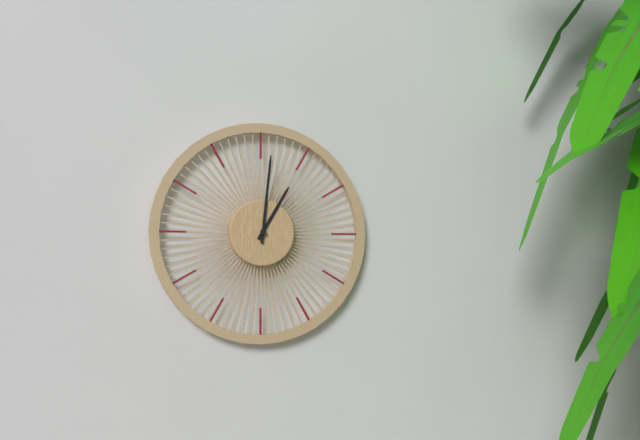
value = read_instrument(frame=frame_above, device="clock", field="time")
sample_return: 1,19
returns 1,01
